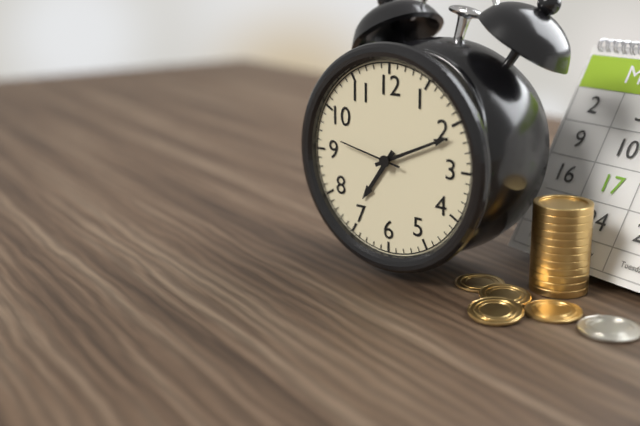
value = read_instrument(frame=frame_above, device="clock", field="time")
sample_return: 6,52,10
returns 7,11,47
